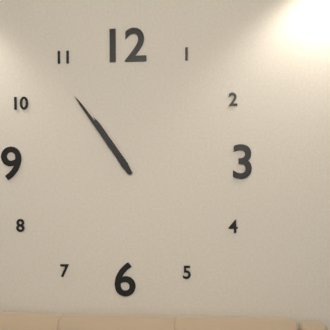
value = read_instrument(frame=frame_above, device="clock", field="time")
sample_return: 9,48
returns 10,54
